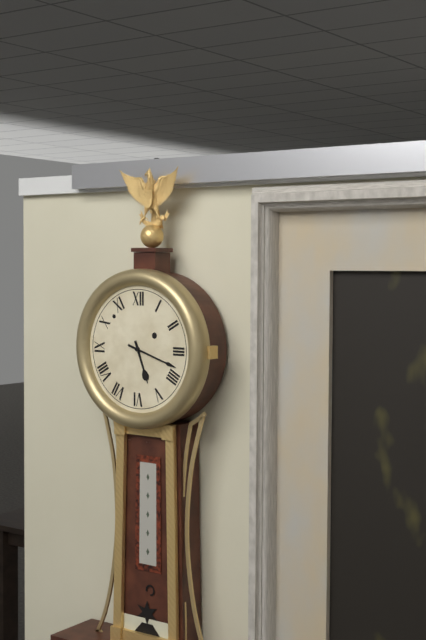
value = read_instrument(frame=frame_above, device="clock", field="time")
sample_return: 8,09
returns 5,18
